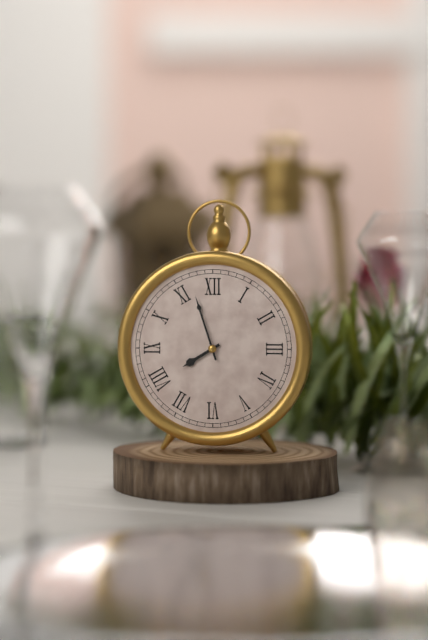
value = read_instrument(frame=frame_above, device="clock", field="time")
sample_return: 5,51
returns 7,57
